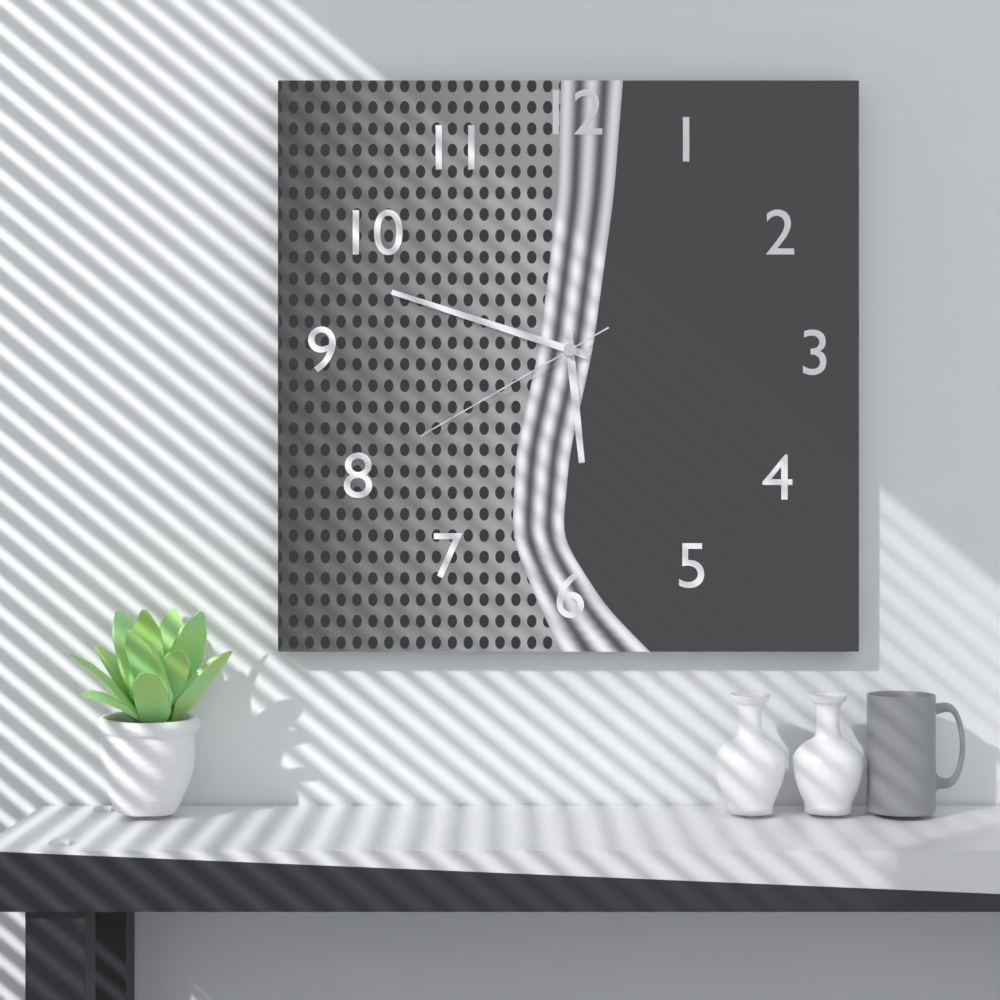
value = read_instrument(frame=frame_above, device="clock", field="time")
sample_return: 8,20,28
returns 5,48,40
